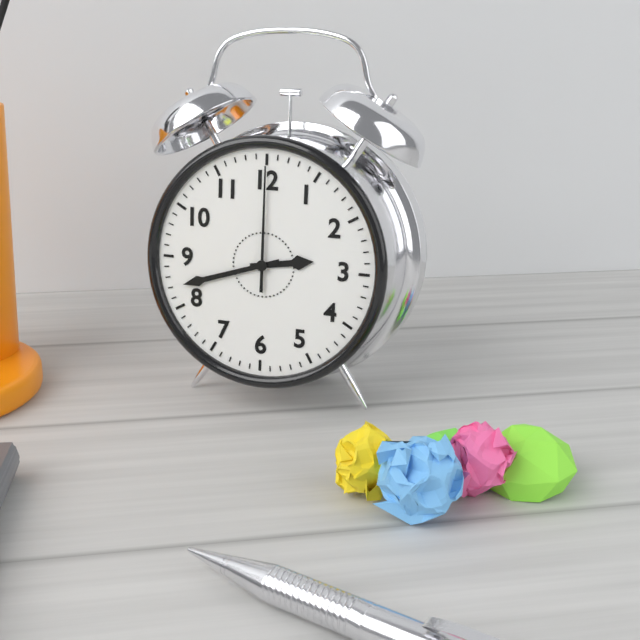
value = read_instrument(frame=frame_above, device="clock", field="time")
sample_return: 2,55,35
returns 2,42,00
